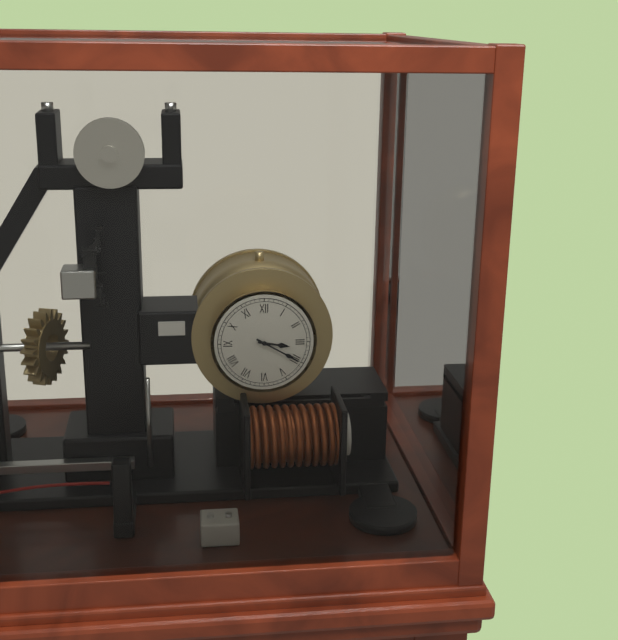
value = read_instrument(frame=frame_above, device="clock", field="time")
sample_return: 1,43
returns 3,20
